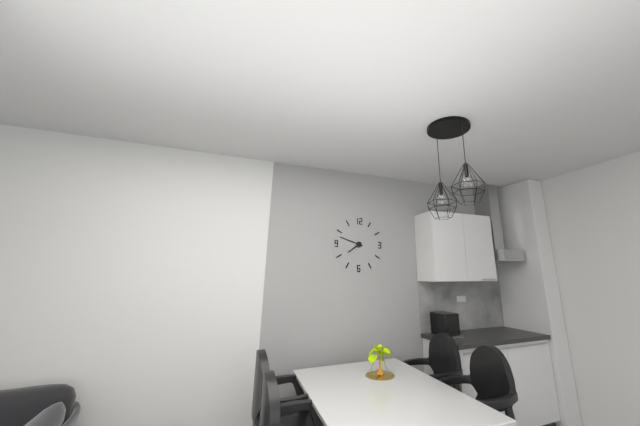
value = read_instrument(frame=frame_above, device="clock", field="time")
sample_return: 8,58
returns 7,48
